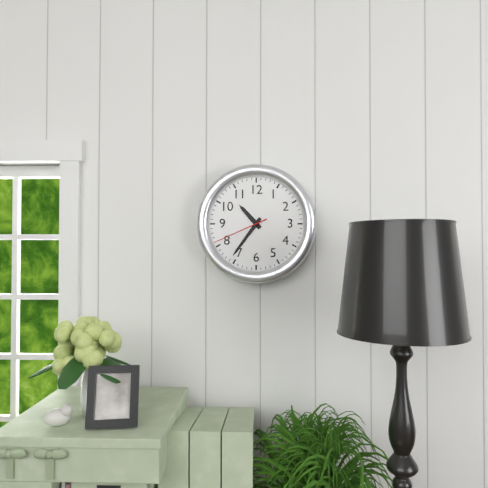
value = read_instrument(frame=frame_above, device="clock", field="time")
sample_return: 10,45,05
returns 10,36,41
